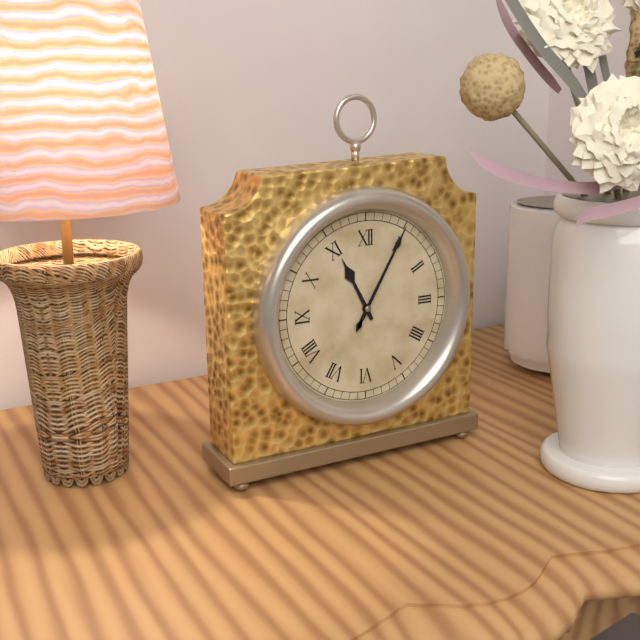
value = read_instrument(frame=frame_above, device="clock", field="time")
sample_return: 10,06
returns 11,05
